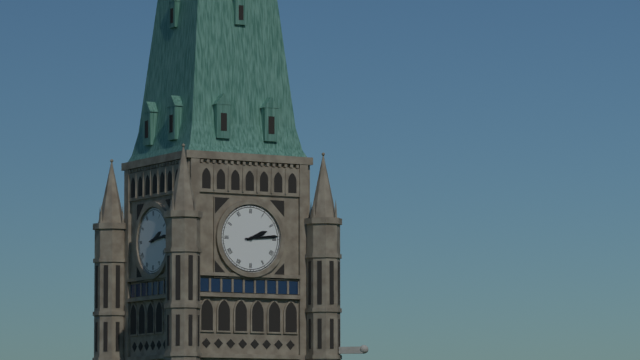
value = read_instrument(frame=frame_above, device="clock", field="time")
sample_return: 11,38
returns 2,14
